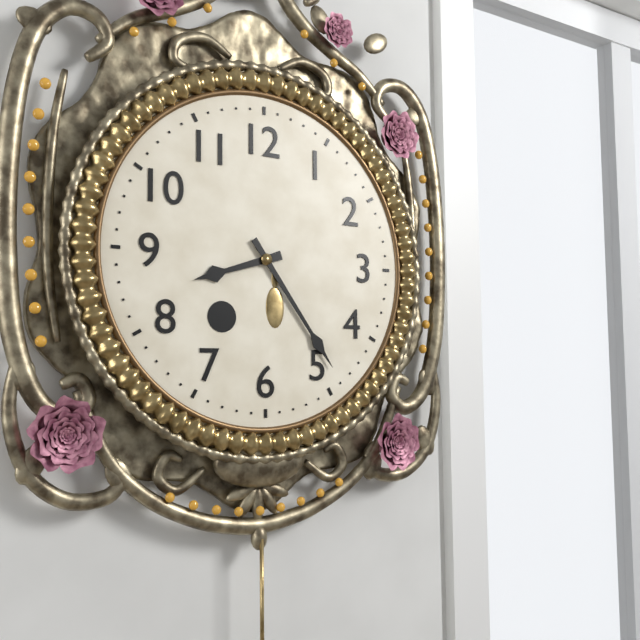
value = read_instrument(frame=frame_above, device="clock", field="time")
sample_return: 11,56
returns 8,24
